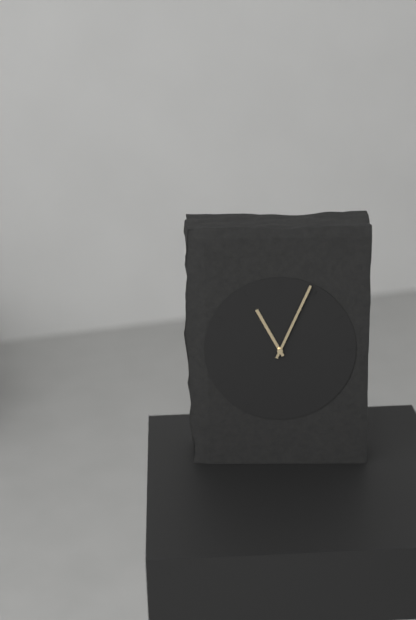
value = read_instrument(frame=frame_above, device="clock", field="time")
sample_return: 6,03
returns 11,04
